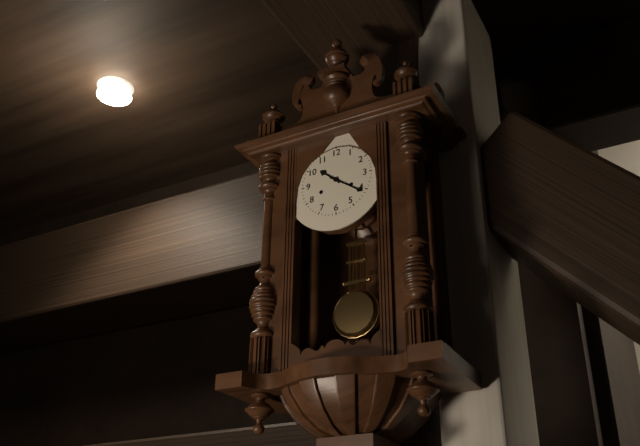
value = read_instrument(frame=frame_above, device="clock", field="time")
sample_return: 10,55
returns 10,21
